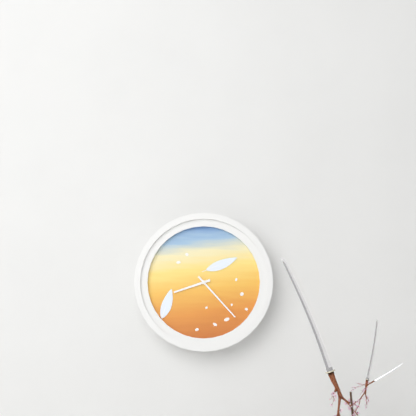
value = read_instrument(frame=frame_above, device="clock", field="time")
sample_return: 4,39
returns 8,23
